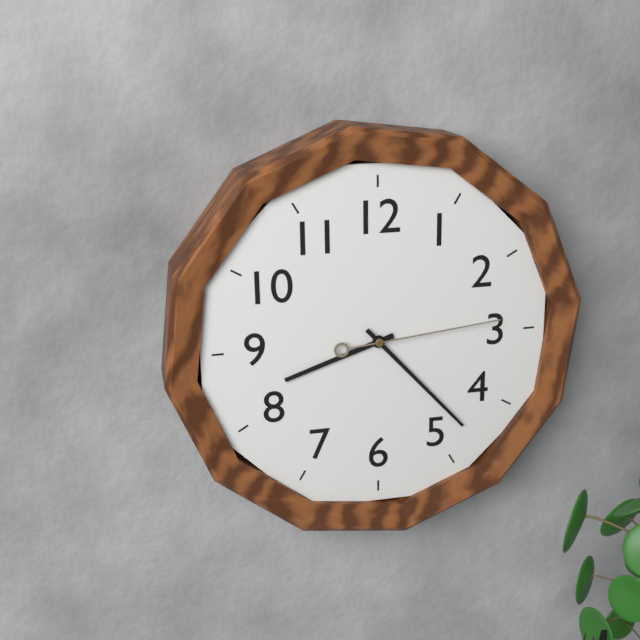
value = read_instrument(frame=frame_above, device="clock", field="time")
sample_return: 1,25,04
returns 8,23,14
